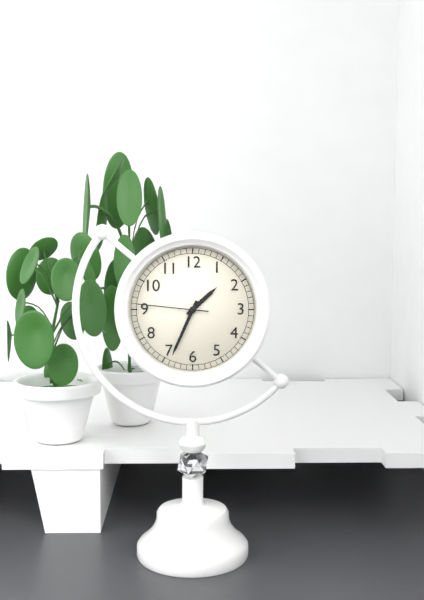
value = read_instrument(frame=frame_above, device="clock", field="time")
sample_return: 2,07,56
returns 1,34,46
